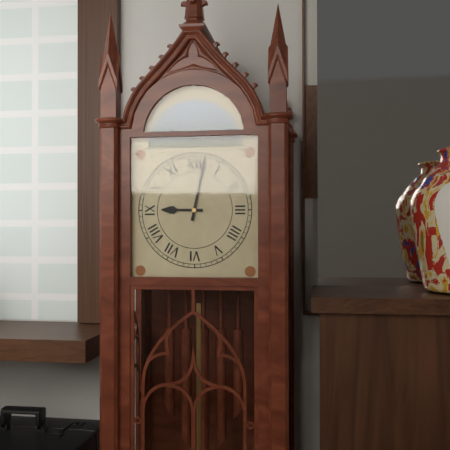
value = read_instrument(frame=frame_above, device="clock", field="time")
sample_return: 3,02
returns 9,02
